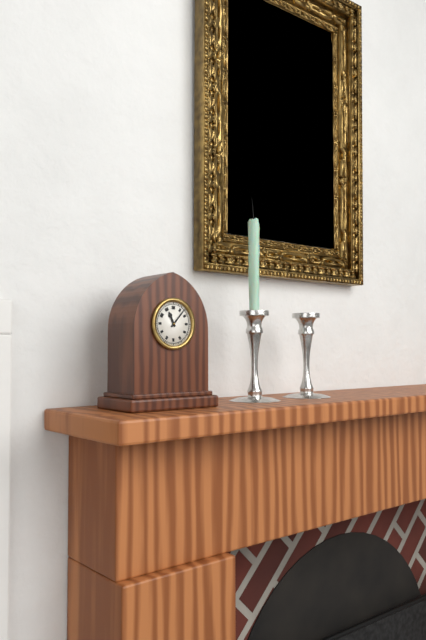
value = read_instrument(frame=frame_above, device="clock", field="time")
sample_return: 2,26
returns 11,07
